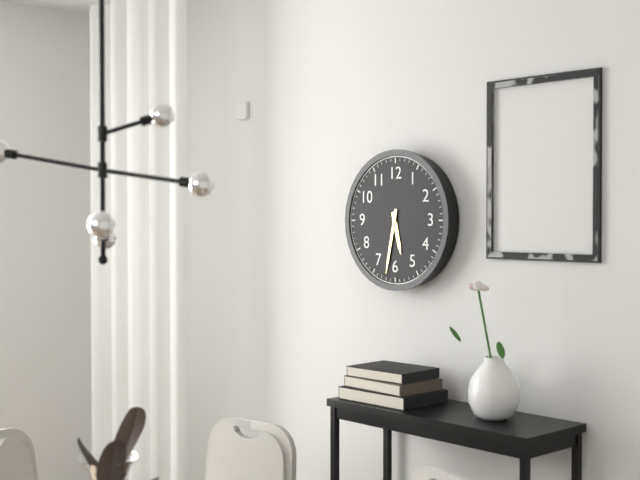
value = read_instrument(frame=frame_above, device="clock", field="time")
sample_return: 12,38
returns 5,32
